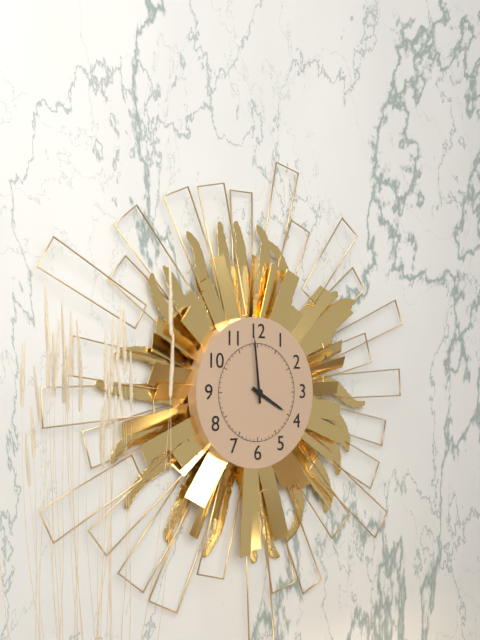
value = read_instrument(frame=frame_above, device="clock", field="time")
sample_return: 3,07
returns 3,59
